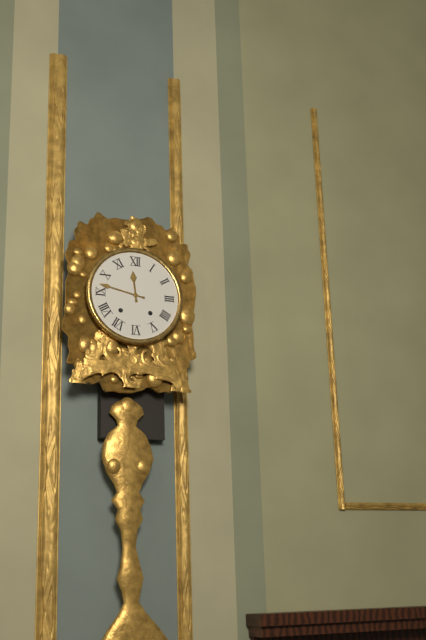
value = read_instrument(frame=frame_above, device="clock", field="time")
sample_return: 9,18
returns 11,47
